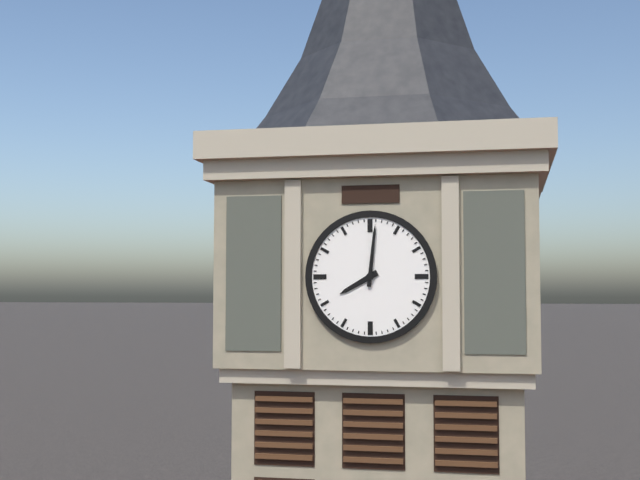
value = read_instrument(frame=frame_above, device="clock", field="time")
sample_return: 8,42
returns 8,01
